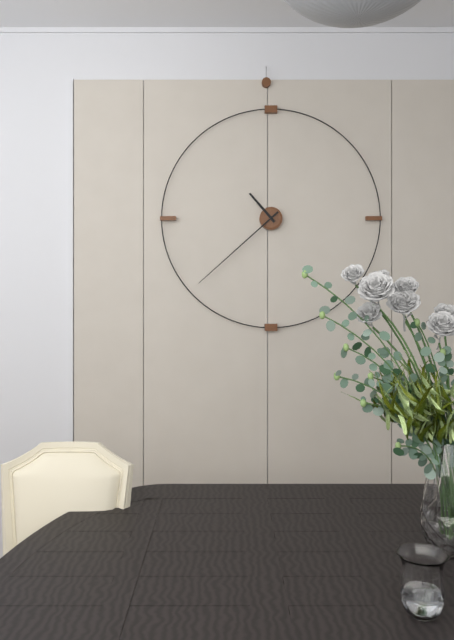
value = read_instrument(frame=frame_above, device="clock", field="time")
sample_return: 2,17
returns 10,38
